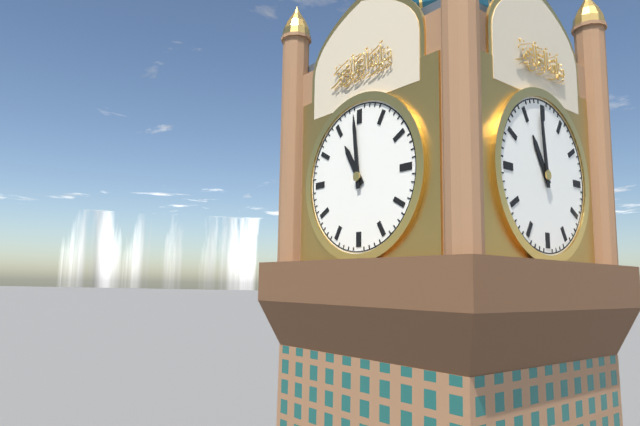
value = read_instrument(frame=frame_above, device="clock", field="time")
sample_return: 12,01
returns 10,59
